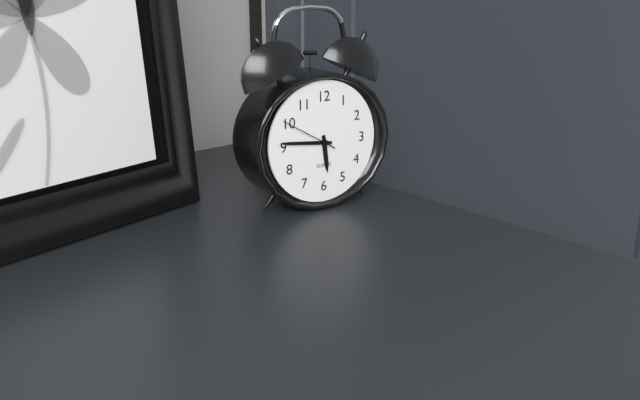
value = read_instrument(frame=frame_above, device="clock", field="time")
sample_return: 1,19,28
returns 5,46,50
